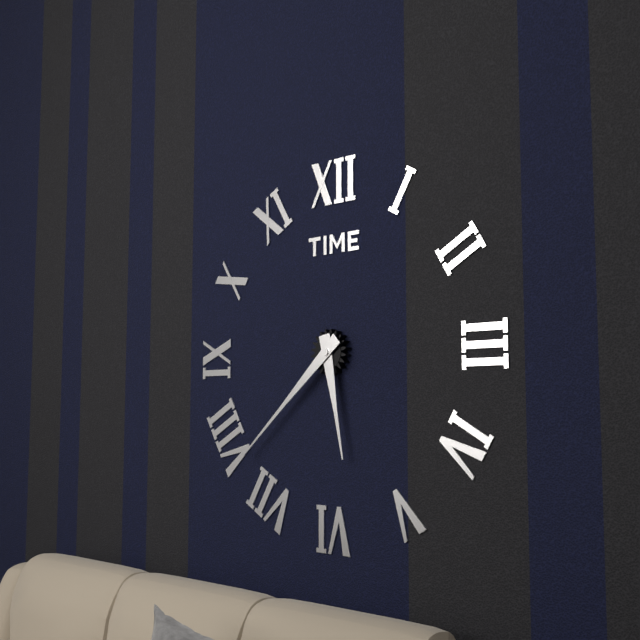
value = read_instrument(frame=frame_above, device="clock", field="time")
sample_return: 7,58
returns 5,38
